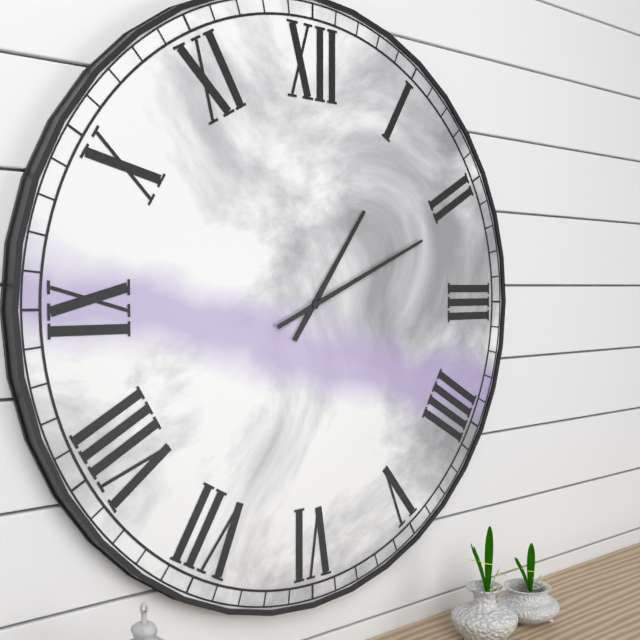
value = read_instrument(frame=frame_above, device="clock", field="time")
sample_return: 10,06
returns 1,11
